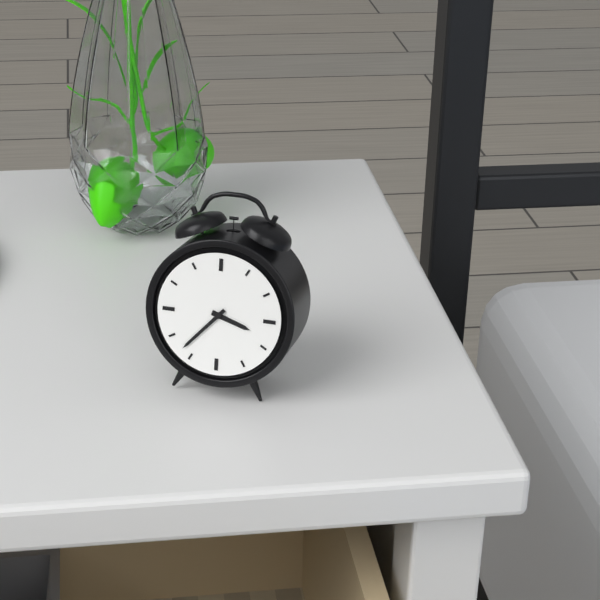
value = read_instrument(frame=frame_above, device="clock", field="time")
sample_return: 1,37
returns 3,37
